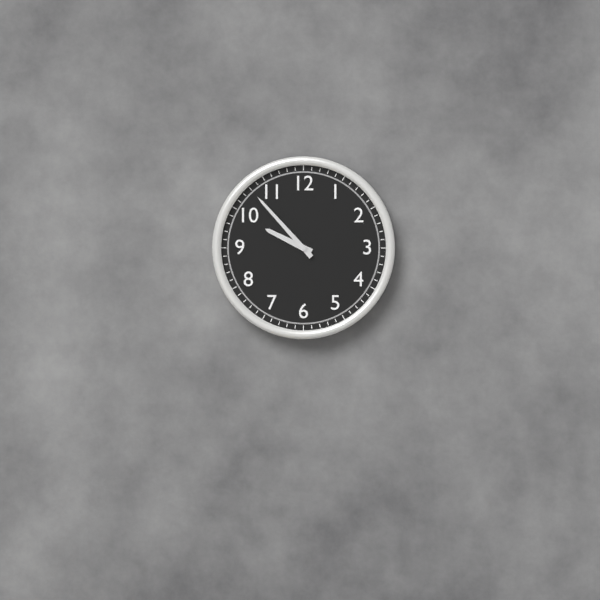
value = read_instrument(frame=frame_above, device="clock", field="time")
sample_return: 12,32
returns 9,53
